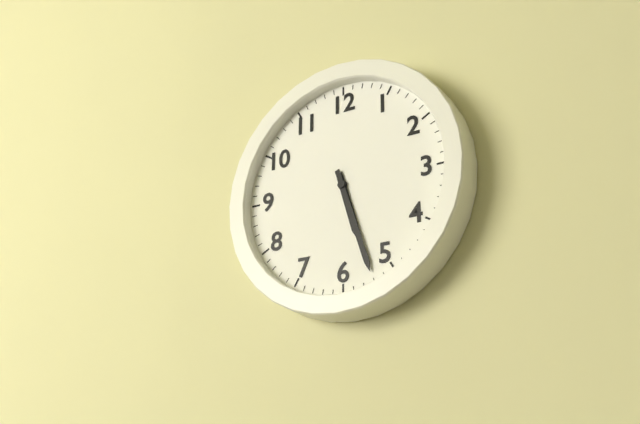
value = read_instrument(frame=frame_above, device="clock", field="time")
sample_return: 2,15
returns 5,27
